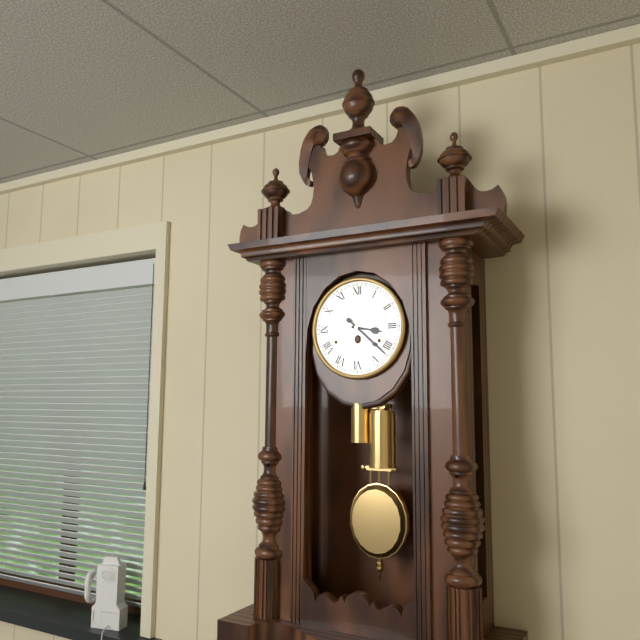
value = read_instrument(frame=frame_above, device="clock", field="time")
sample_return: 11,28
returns 3,22
